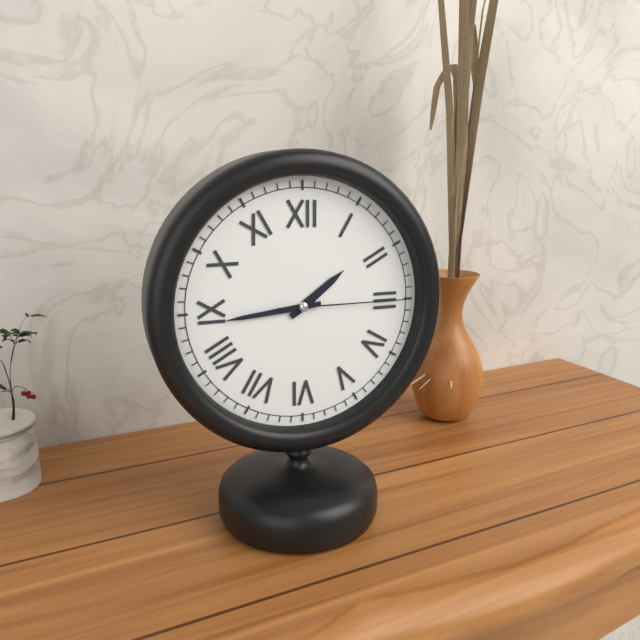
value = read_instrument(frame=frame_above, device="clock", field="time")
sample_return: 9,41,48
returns 1,44,15
